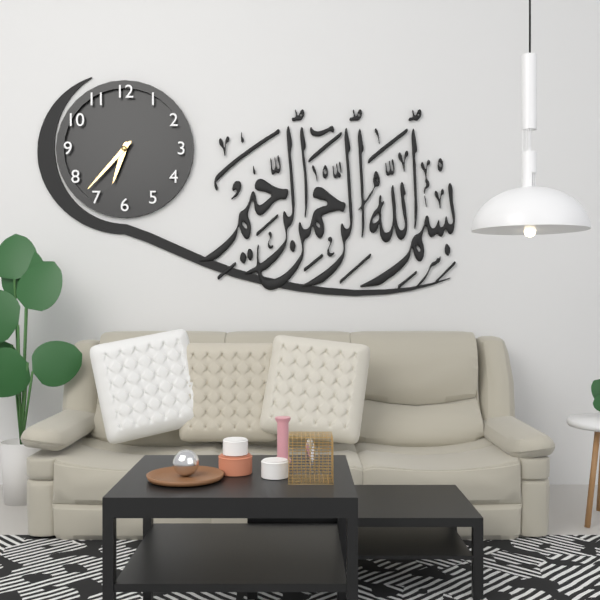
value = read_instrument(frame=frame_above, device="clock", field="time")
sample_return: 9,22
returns 6,37
